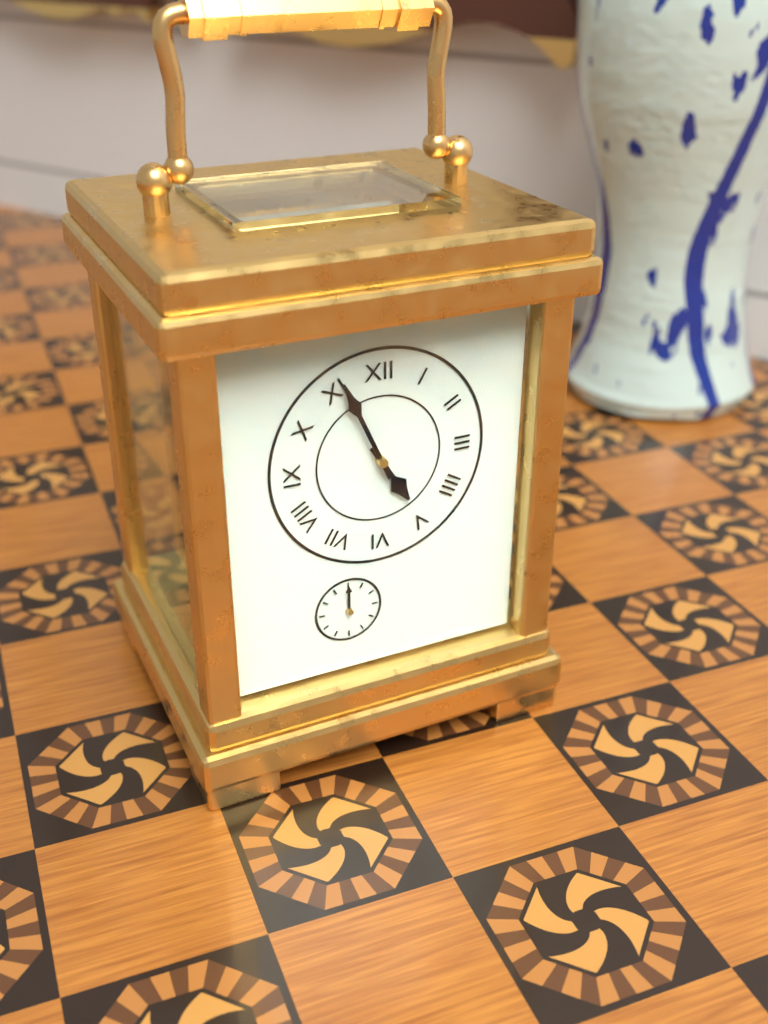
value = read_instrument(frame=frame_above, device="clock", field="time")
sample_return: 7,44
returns 4,56
